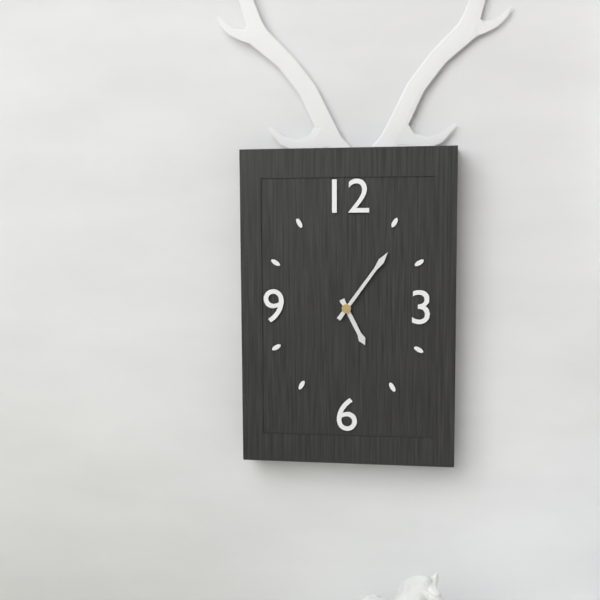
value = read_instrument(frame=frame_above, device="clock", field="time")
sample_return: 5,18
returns 5,06
